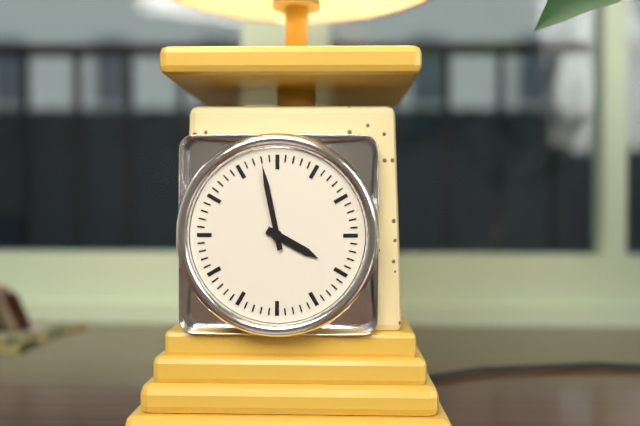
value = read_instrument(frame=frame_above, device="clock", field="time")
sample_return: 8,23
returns 3,58
